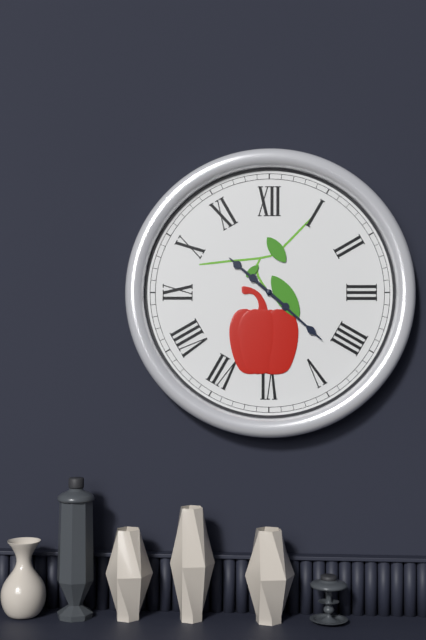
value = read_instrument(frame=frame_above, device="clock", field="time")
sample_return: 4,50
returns 10,22
